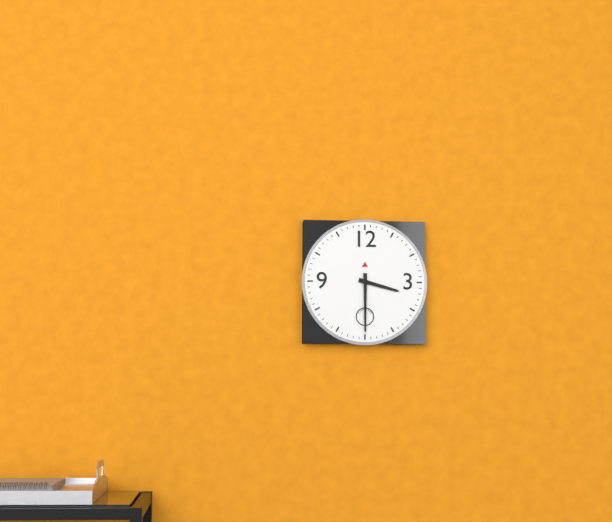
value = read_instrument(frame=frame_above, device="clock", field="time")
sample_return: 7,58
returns 3,30
